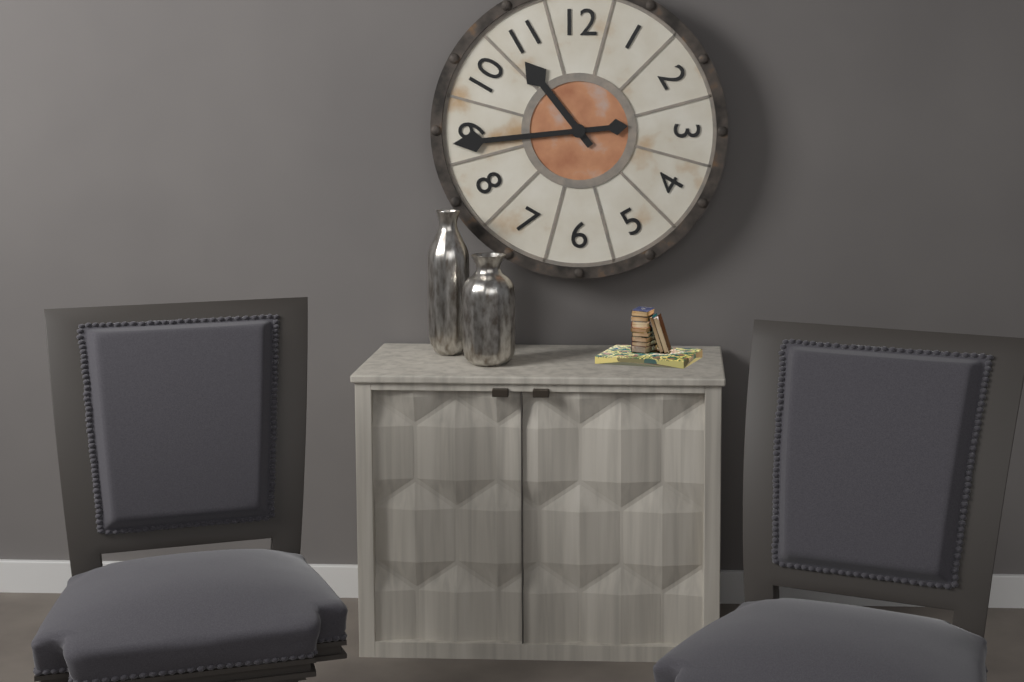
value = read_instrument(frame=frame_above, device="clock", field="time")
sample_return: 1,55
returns 10,44
